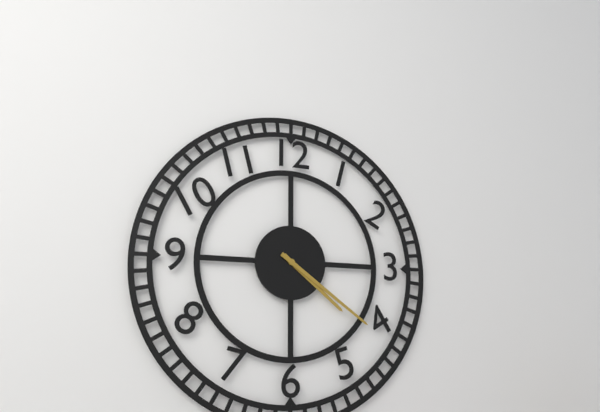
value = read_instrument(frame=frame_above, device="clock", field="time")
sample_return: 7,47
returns 4,21
